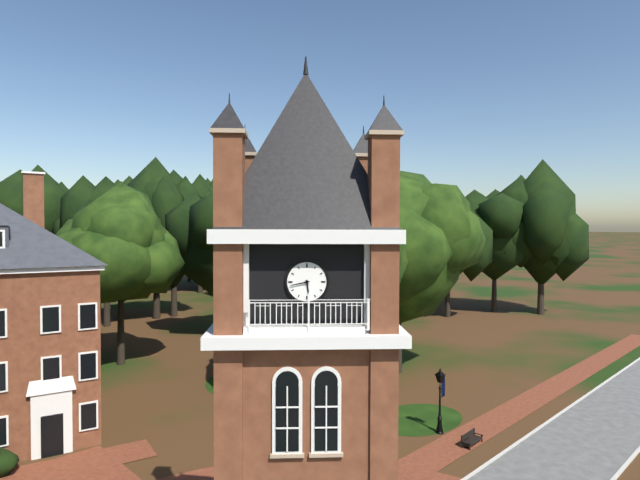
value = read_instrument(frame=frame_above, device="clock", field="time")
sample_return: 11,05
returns 5,43
